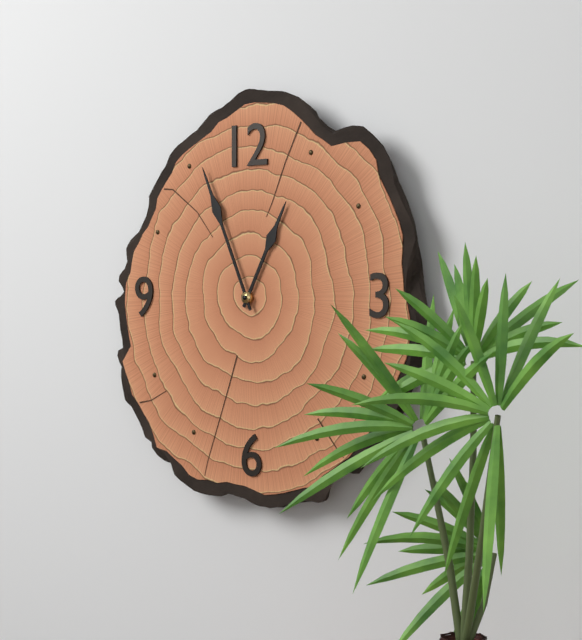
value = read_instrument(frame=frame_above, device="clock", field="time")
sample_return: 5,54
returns 12,56
